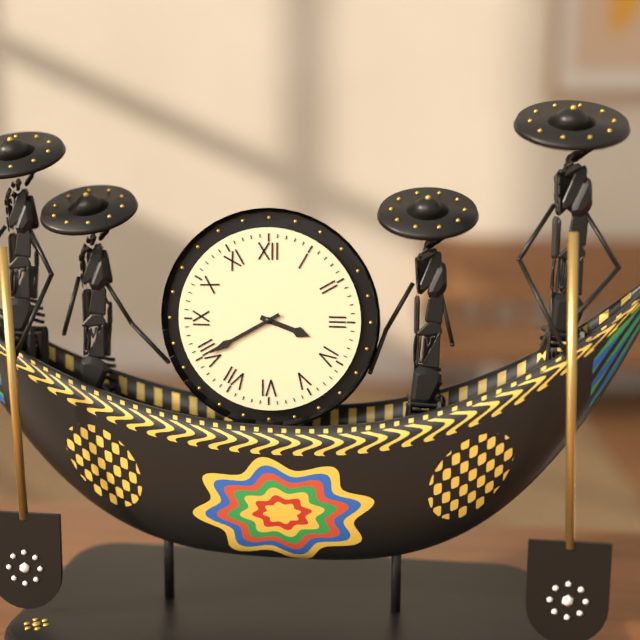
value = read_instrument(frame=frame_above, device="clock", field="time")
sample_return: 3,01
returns 3,40
